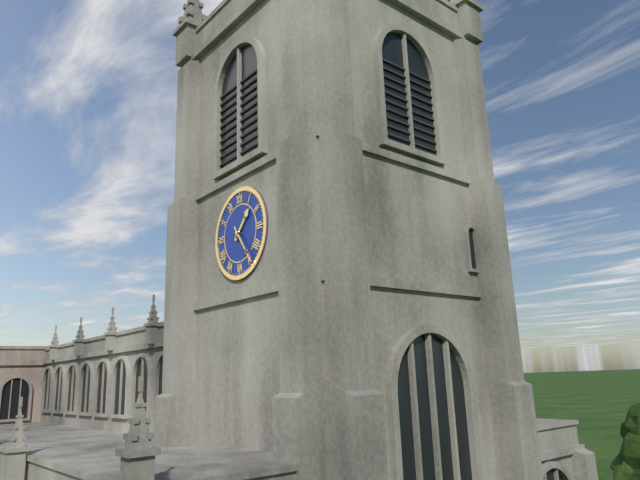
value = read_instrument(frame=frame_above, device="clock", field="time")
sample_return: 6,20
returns 1,24
